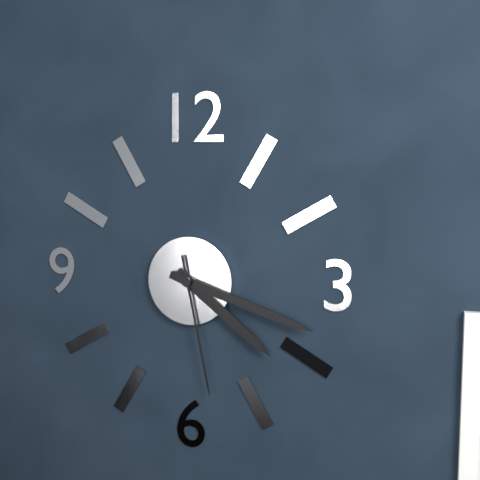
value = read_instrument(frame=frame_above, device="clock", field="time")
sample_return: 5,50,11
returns 4,18,28
